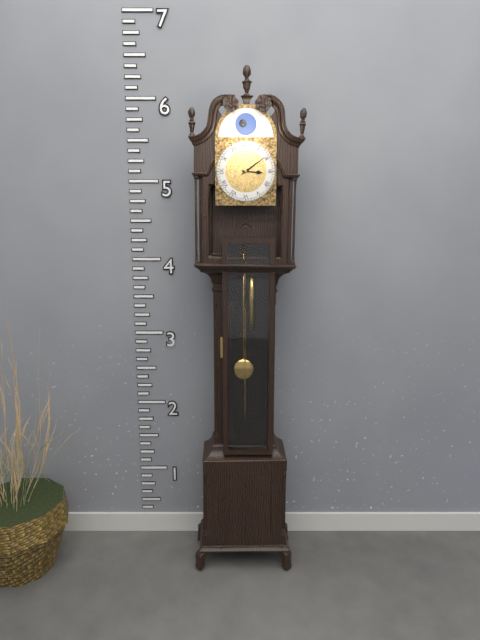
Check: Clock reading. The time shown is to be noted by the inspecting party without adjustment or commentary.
3:09
